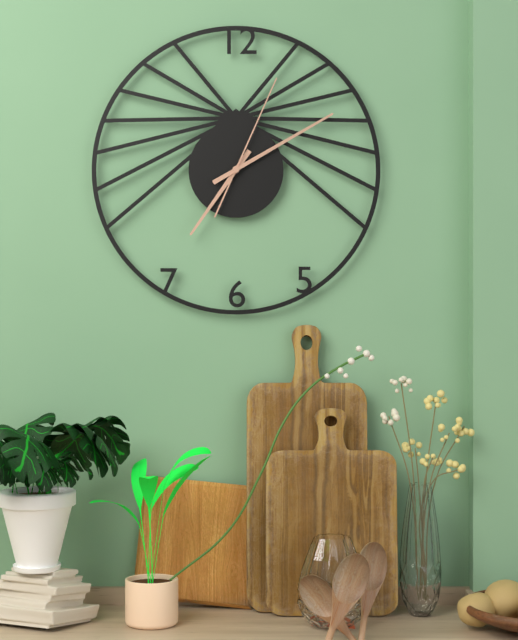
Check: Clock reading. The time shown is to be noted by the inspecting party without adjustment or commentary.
7:10:04
